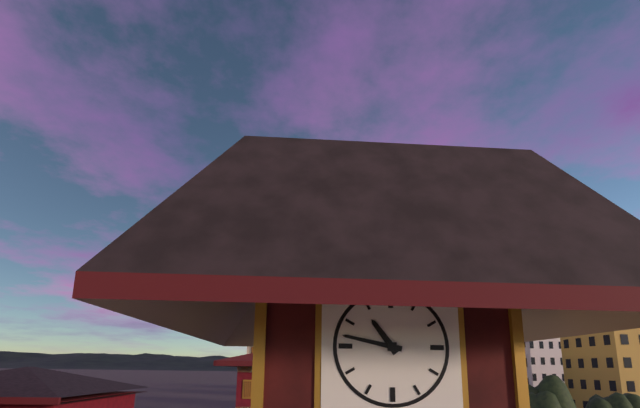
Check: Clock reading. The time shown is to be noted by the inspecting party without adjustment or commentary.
10:47
